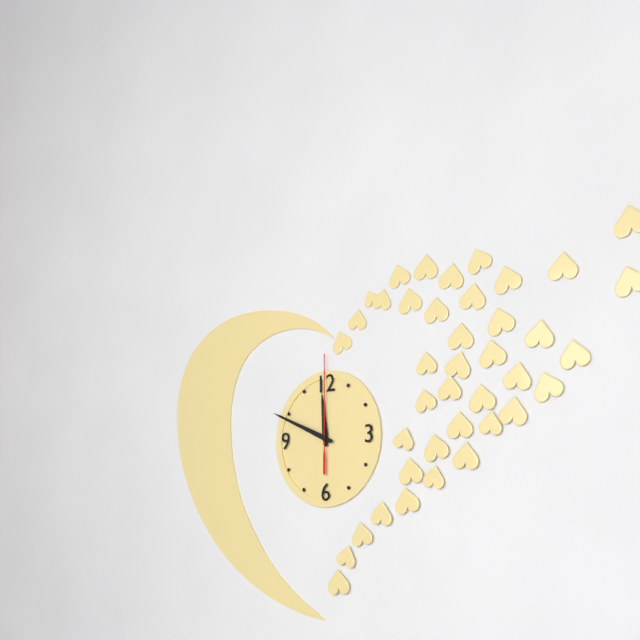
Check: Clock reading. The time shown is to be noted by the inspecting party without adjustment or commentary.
11:49:00
